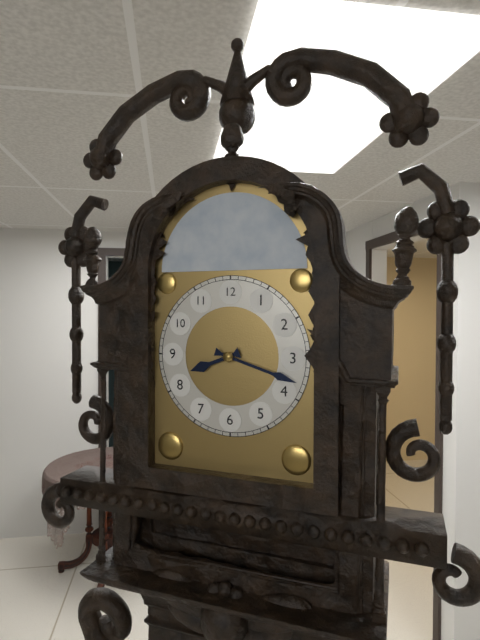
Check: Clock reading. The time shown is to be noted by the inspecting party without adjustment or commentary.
8:18
